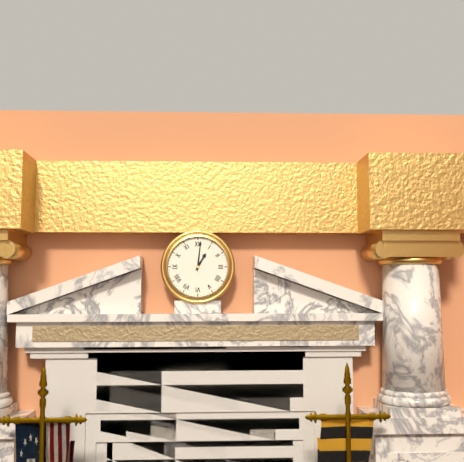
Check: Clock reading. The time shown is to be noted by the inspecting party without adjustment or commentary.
1:01
